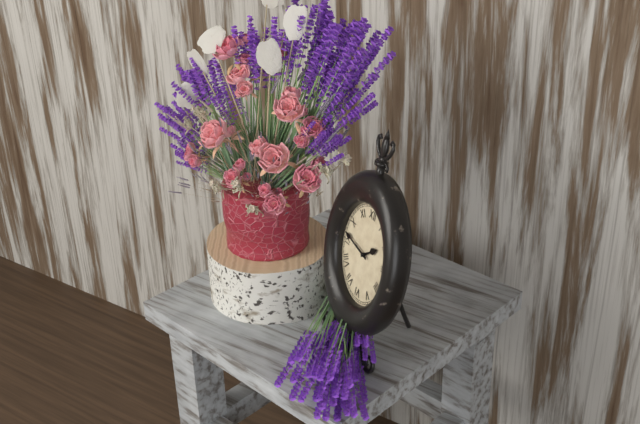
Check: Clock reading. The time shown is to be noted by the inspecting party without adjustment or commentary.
1:47
